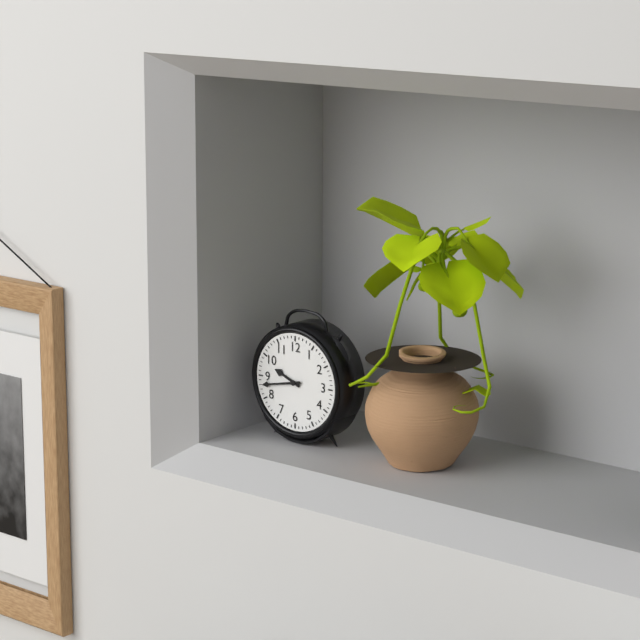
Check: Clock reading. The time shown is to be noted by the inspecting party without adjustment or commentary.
9:43
